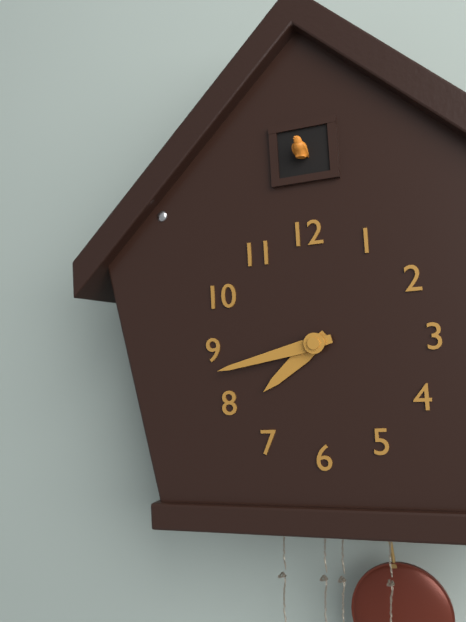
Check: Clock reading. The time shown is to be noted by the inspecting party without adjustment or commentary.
7:43
